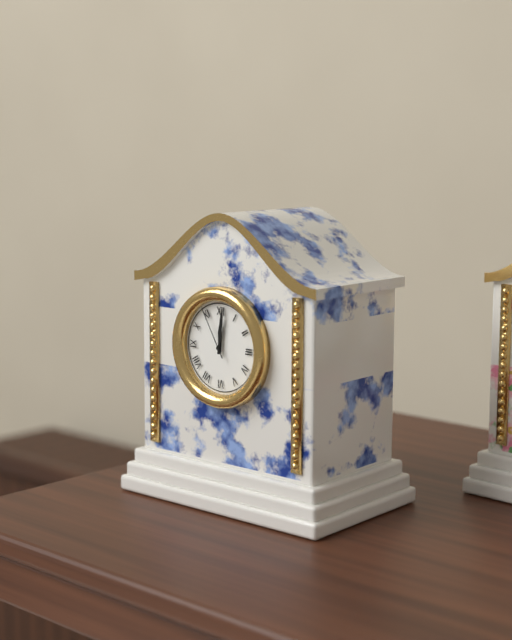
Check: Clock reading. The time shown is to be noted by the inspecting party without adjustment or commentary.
12:01:55
